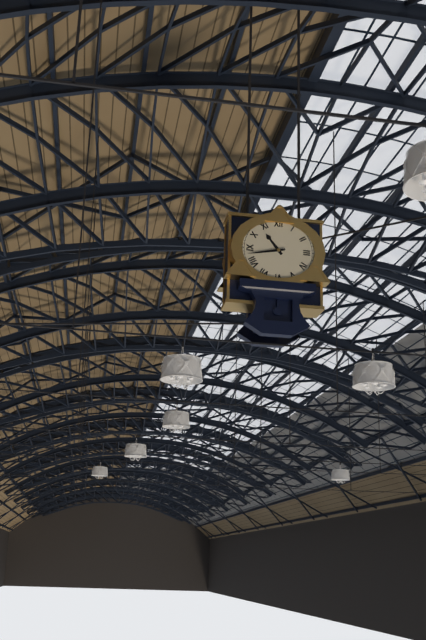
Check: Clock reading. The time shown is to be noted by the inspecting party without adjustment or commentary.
10:43
